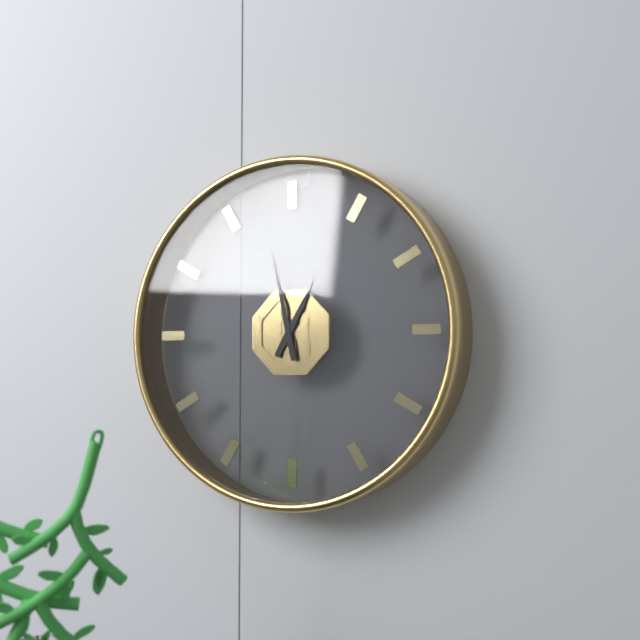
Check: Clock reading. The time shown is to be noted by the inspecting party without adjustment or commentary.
12:58
